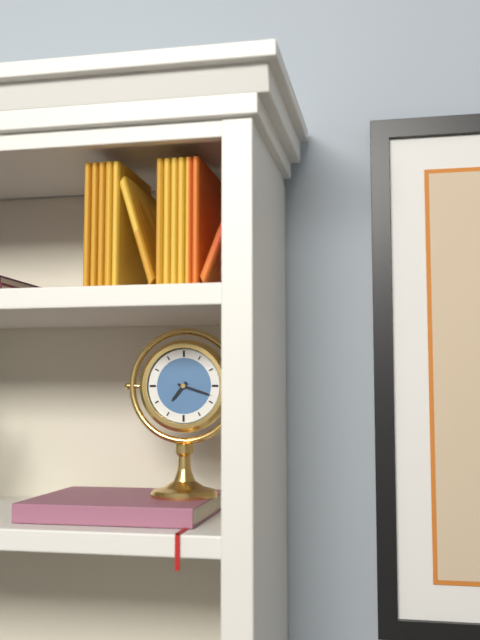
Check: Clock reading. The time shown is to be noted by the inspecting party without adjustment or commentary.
7:18
